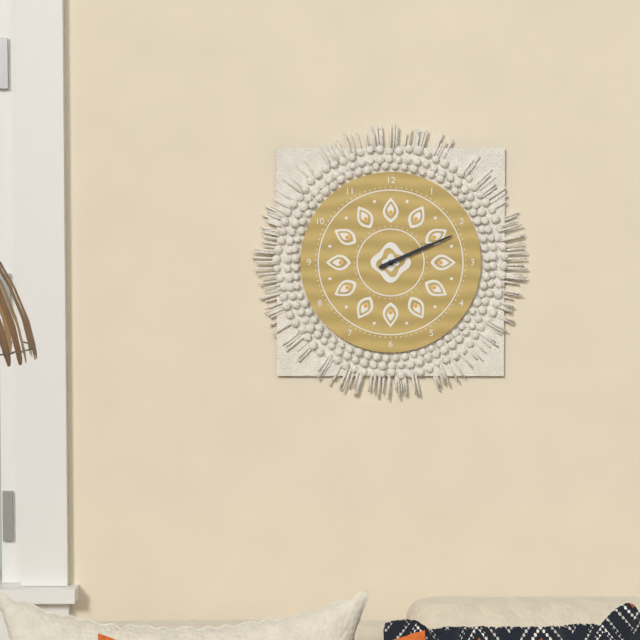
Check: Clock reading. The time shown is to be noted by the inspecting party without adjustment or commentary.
2:11
